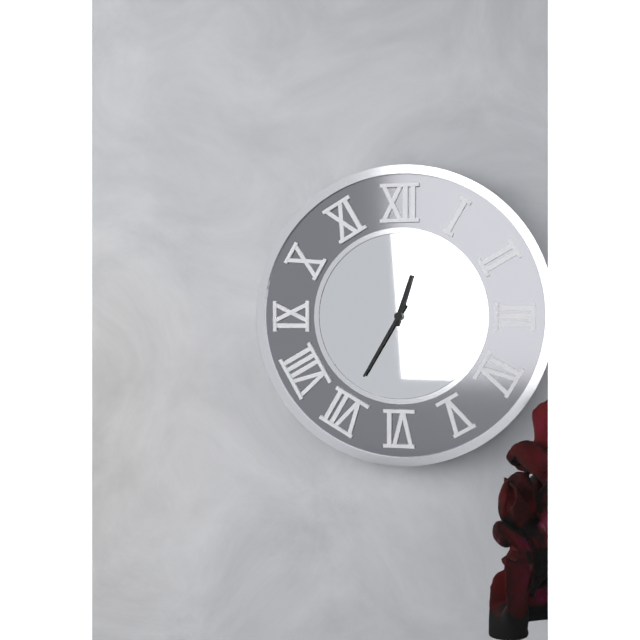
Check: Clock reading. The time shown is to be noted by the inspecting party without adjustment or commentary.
12:35
